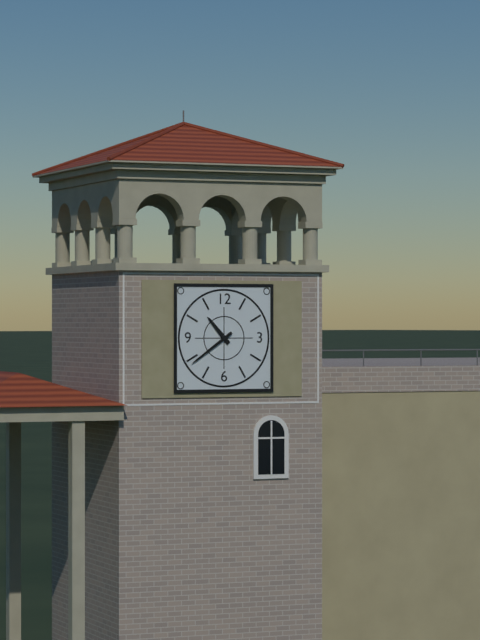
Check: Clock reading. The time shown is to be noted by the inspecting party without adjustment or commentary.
10:39
